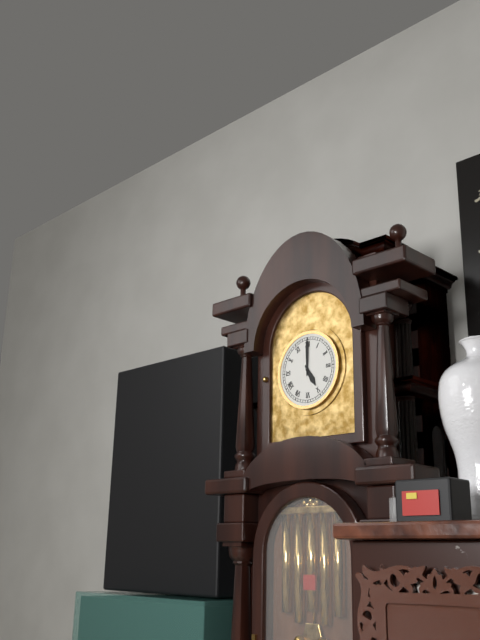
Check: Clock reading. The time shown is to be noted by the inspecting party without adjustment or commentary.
5:00
